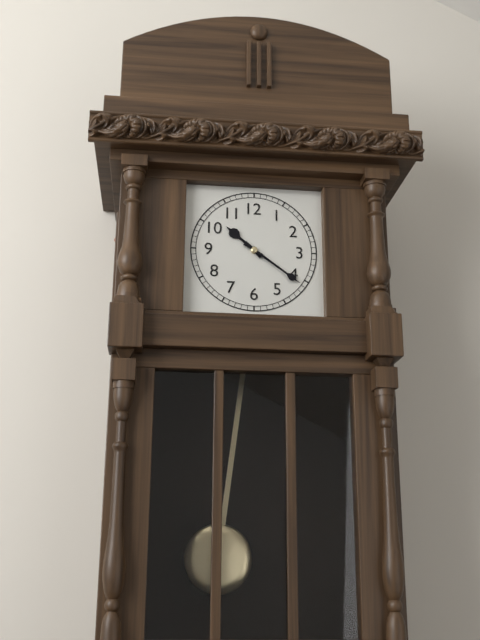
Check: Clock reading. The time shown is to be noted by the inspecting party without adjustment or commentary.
10:21
